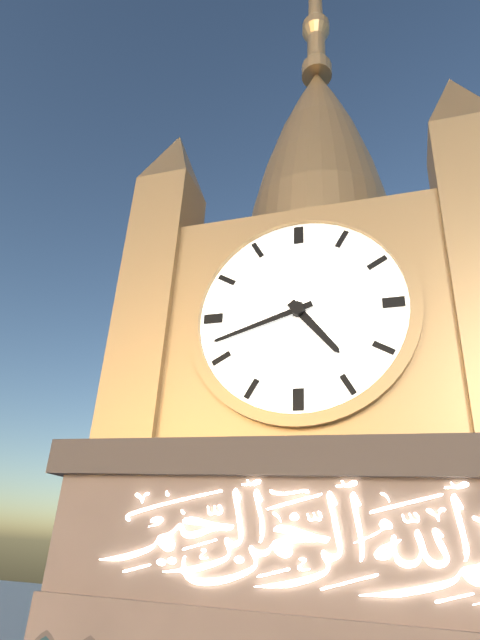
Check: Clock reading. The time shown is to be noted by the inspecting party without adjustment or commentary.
4:42
